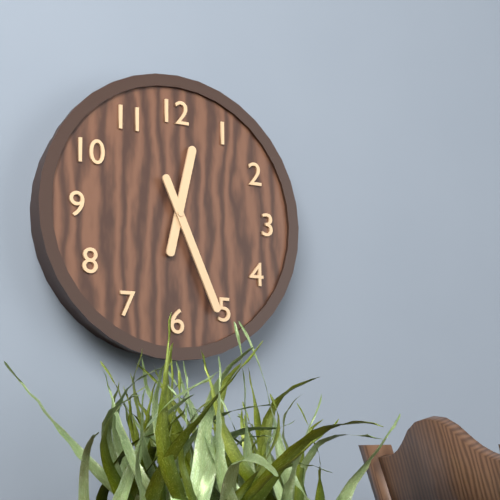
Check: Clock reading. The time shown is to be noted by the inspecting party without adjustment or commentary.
12:26
